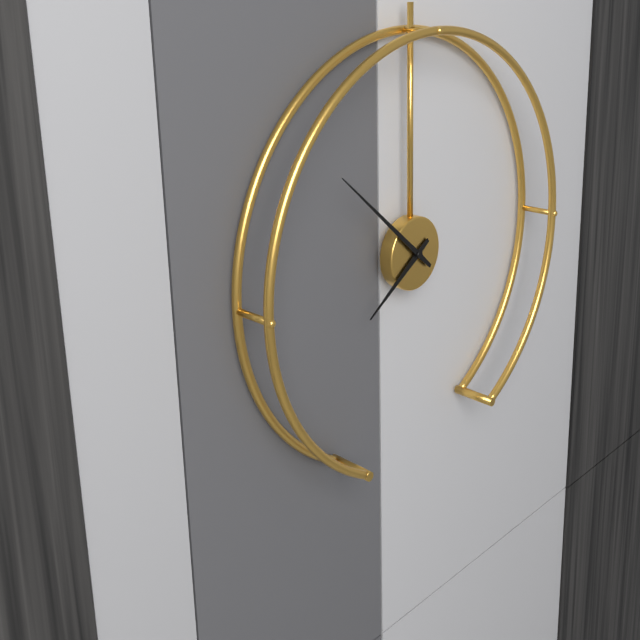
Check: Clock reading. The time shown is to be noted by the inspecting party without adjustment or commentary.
7:52
